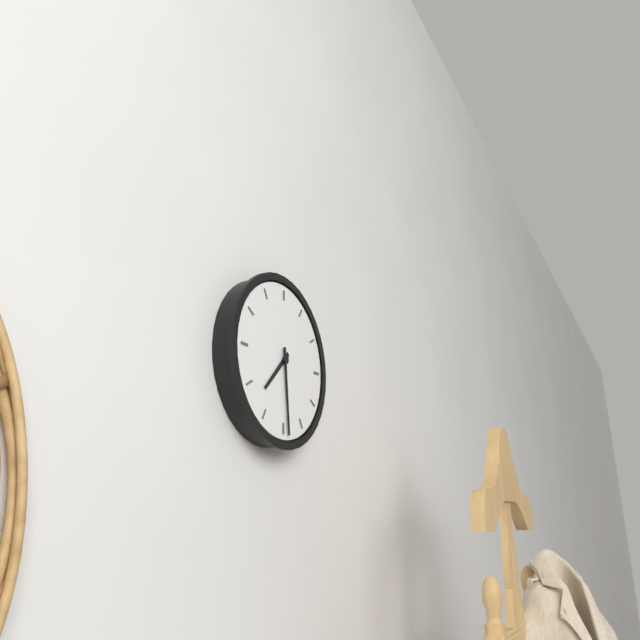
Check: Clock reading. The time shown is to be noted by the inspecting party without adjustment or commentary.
7:29
